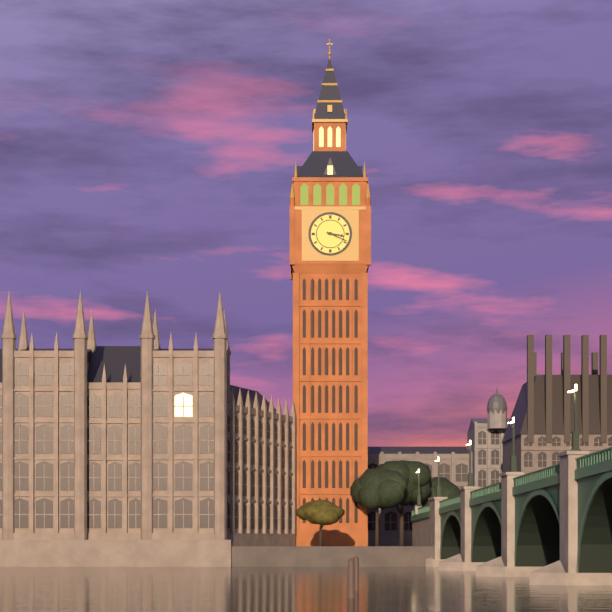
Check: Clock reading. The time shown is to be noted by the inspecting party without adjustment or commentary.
3:19
